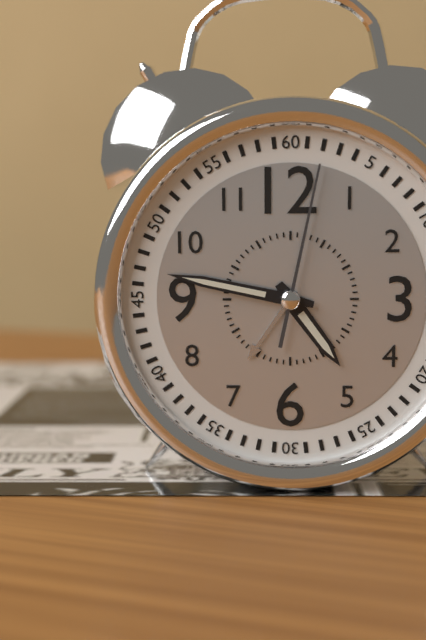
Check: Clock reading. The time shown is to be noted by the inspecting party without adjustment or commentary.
4:47:02
